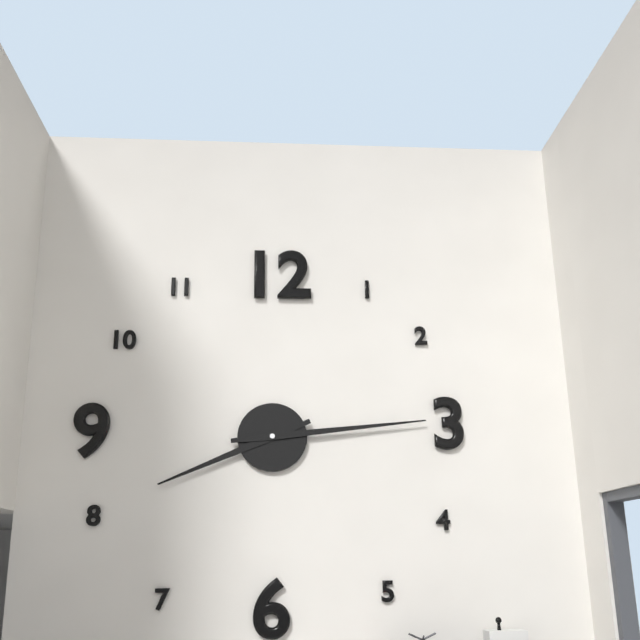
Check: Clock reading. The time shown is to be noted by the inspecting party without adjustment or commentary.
8:14
